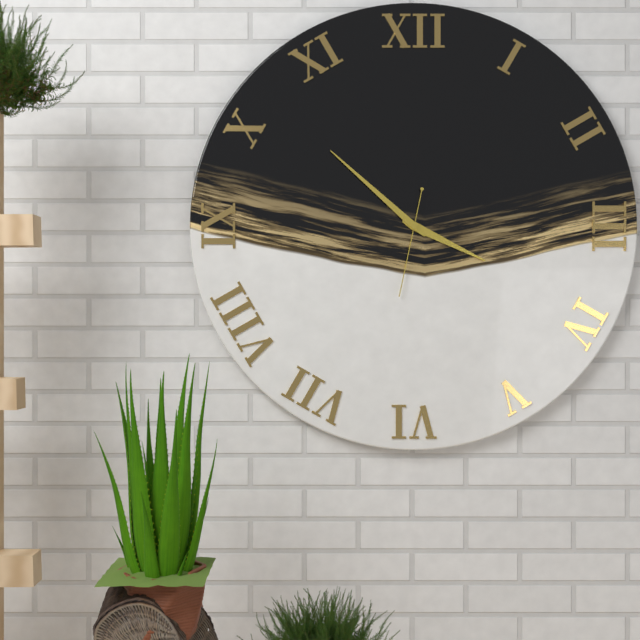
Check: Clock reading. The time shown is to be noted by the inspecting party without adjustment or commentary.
3:52:32
